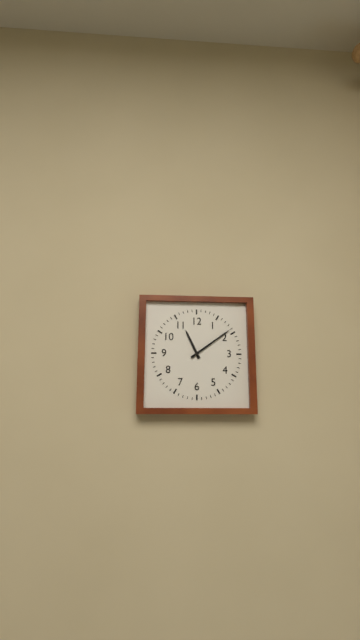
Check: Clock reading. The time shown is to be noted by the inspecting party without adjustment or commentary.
11:09
